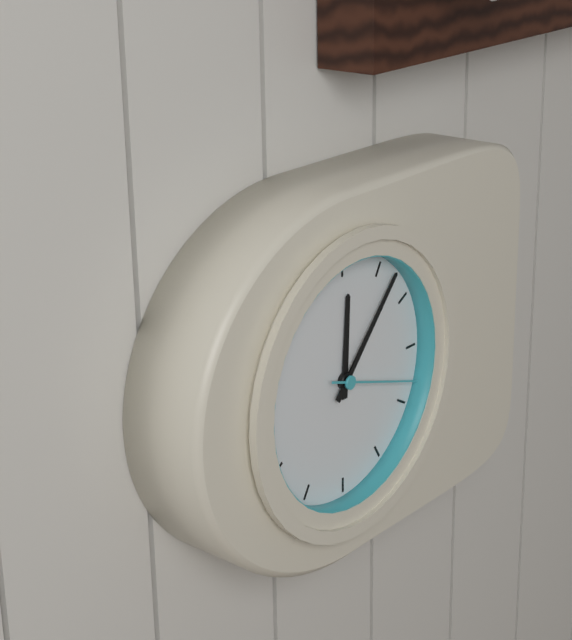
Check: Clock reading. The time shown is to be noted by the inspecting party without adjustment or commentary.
12:07:18
